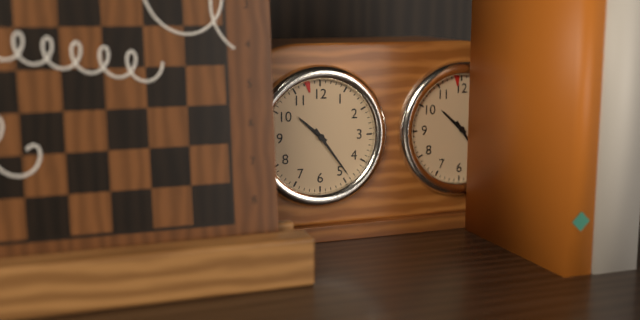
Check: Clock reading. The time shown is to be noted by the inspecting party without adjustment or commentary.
10:24
